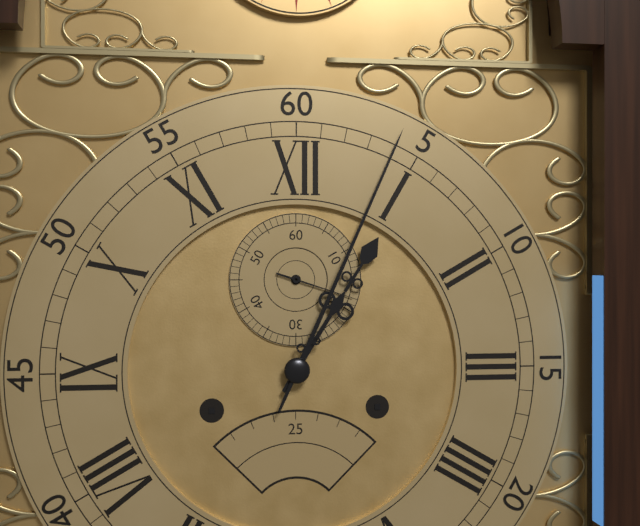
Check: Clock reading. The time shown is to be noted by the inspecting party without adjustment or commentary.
1:04:18
